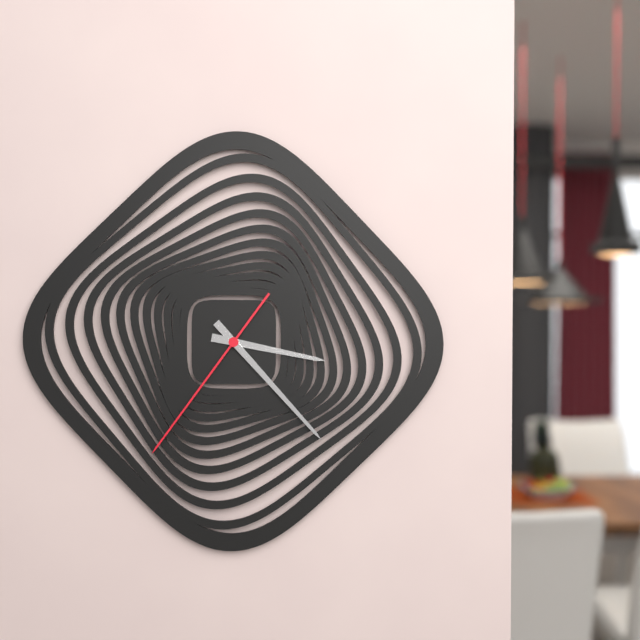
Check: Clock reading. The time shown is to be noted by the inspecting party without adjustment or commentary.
3:23:36
